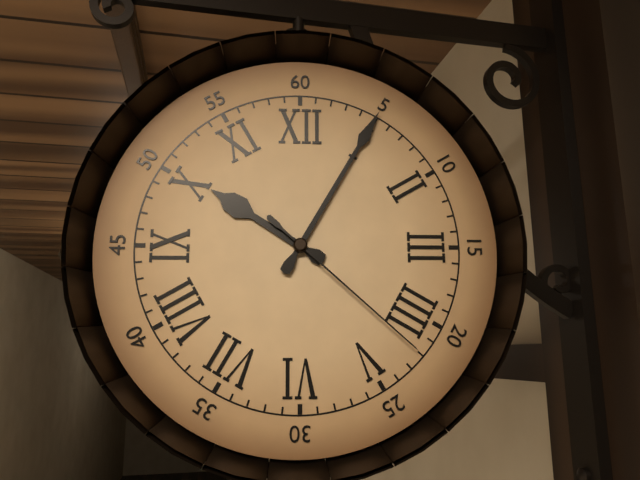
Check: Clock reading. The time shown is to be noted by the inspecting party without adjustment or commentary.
10:05:22
